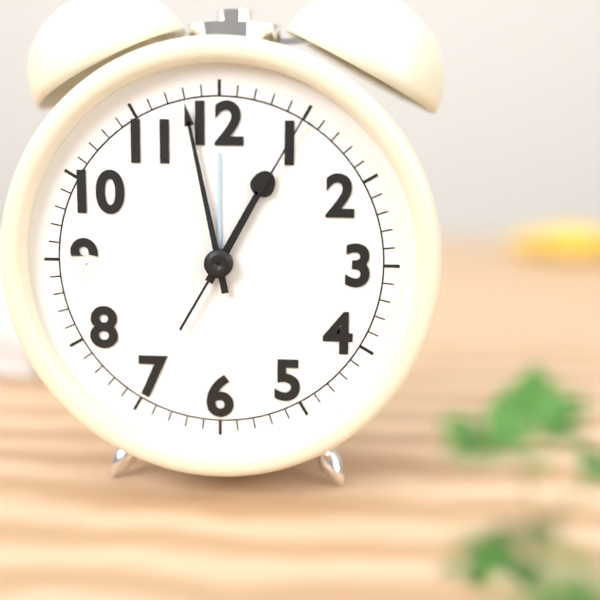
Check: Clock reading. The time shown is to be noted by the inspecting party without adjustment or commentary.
12:58:05
